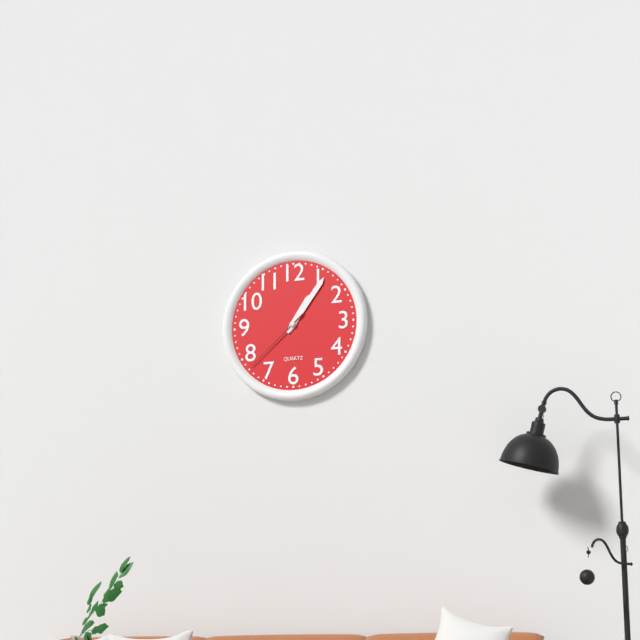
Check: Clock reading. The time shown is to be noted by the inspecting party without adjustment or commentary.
1:06:38
